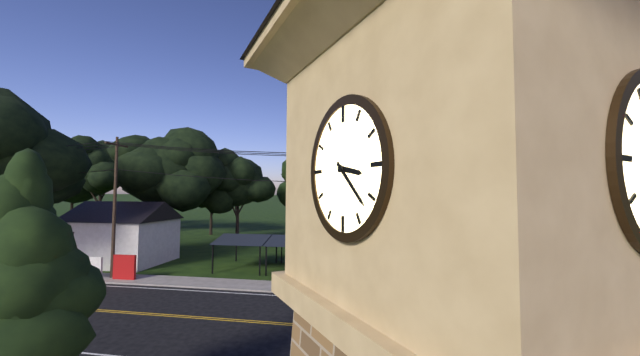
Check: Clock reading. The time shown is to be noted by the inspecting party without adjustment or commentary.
3:22
